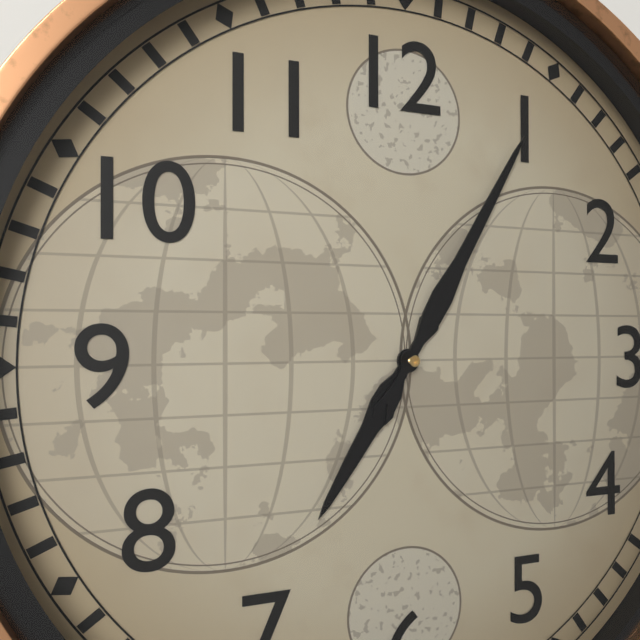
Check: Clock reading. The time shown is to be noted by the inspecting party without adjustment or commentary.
7:05
